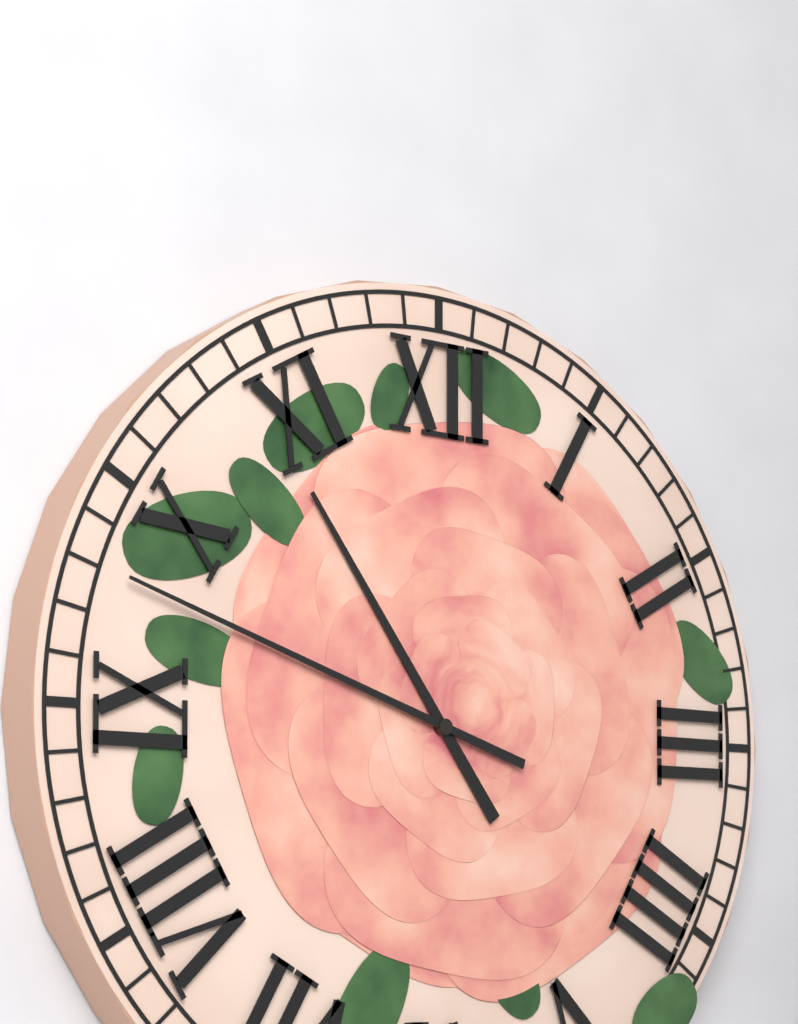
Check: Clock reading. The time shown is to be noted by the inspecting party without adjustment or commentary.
10:48
